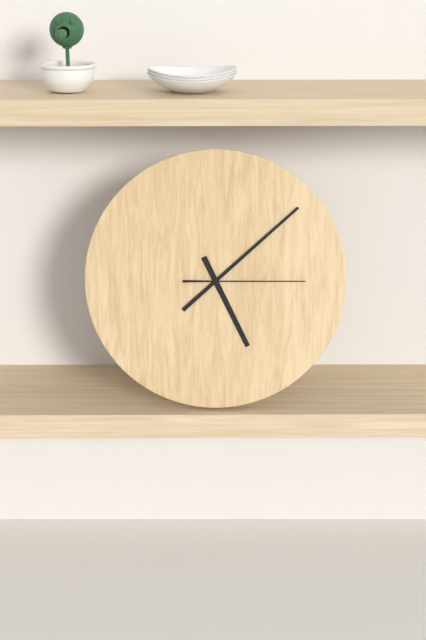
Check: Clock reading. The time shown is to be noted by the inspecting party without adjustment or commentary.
5:08:15
